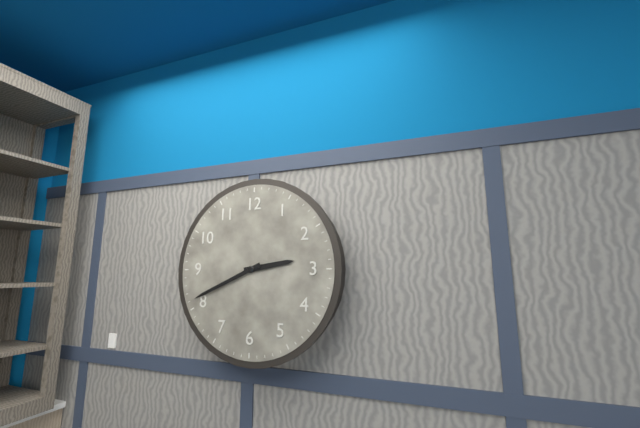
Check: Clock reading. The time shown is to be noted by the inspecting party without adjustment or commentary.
2:41
